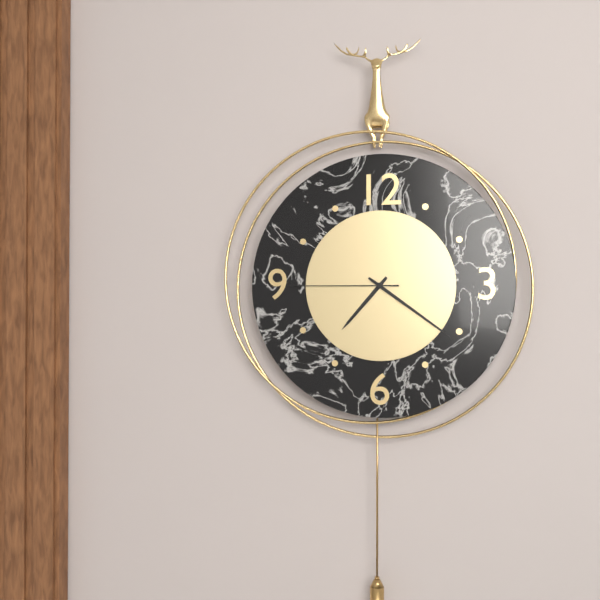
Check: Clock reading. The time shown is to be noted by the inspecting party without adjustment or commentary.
7:21:45
